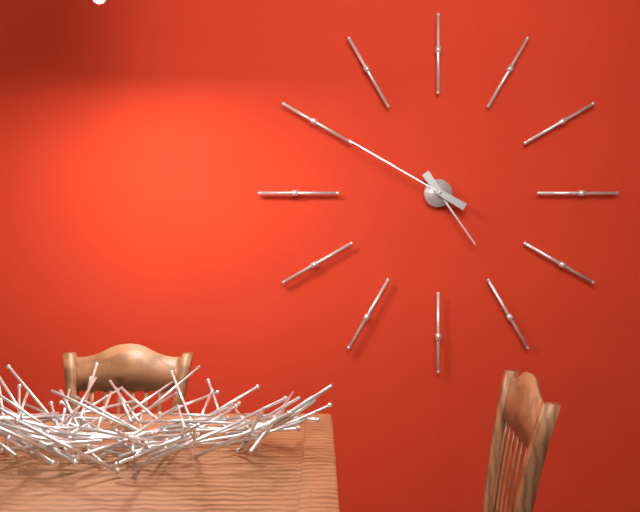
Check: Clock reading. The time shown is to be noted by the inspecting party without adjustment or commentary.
4:50
